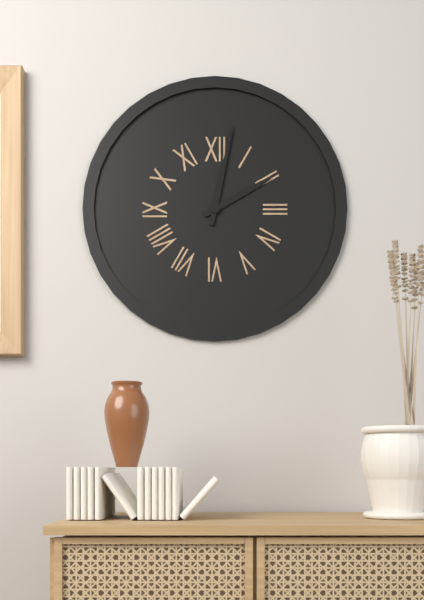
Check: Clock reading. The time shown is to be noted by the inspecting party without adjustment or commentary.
2:02
